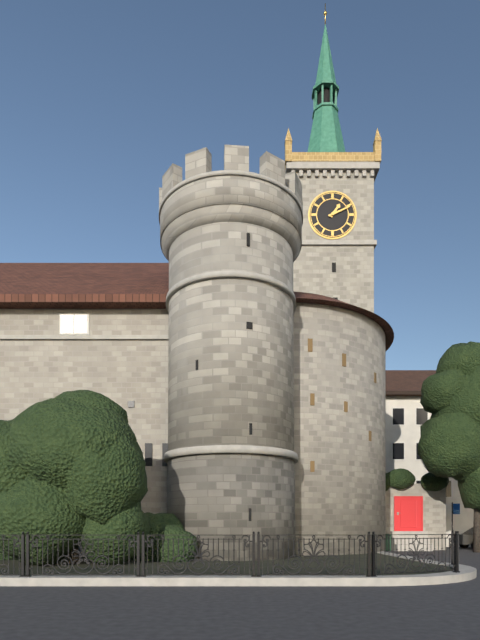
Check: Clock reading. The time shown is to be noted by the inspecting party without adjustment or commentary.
1:11
